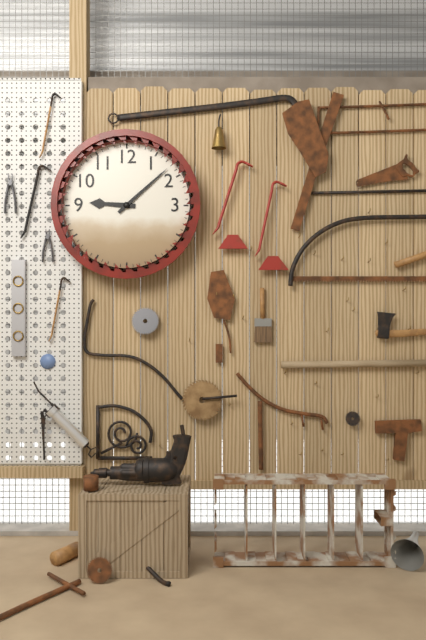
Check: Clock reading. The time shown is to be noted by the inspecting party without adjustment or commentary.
9:08
